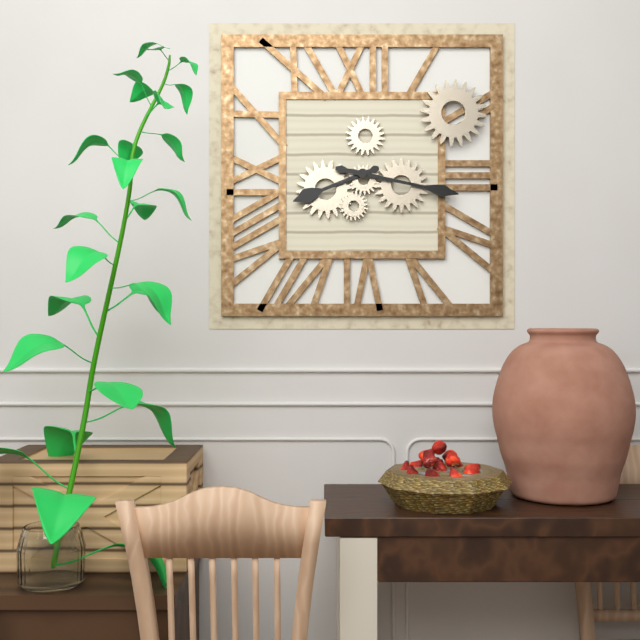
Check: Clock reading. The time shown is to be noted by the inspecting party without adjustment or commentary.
8:17
